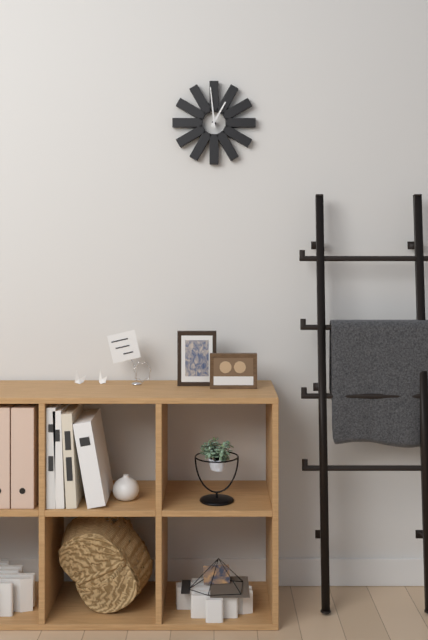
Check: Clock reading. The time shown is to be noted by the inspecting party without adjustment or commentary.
12:59
